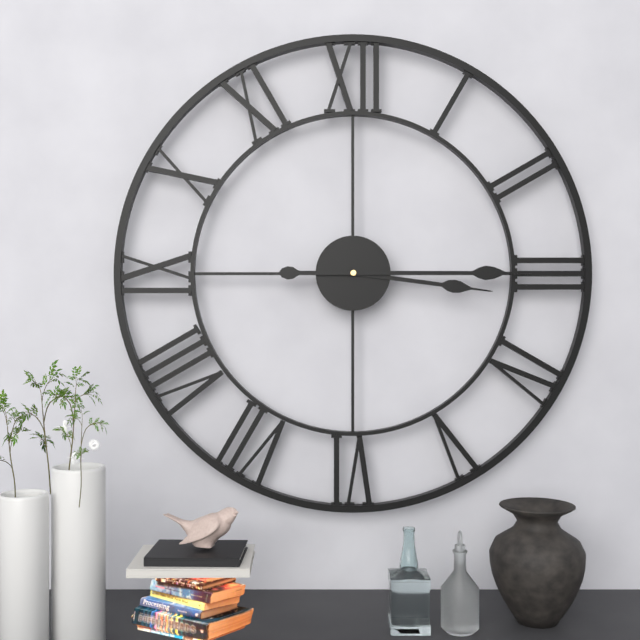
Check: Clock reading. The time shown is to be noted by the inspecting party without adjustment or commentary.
3:15
